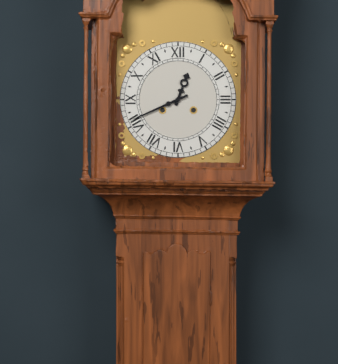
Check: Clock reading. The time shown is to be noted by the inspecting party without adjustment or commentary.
12:41
